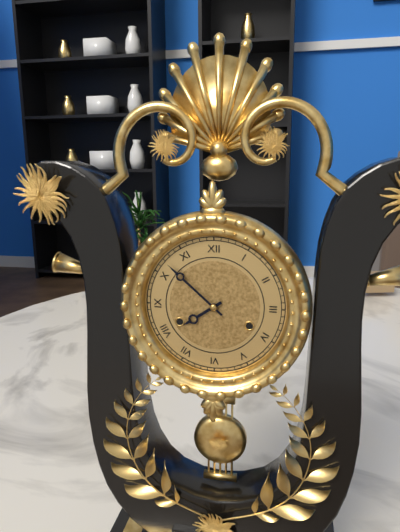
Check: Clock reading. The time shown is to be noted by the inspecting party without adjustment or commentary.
7:52
